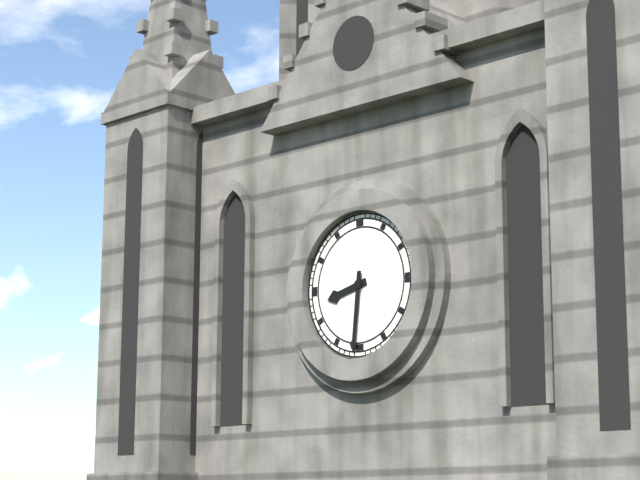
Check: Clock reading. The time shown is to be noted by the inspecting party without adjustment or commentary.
8:31
